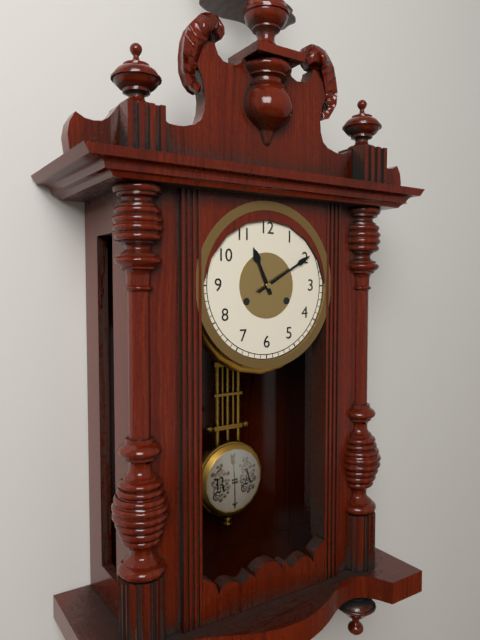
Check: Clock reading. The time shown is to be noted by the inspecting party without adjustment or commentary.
11:10
